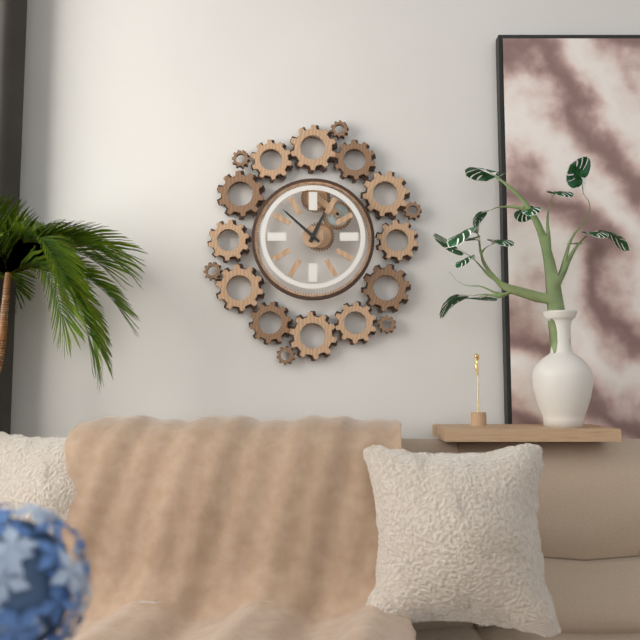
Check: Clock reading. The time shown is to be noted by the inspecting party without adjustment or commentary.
12:52
